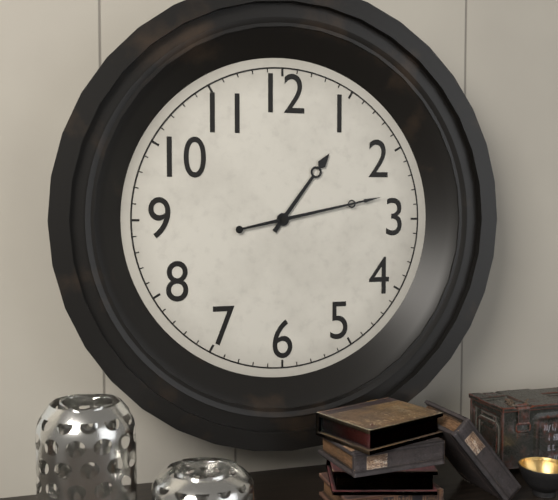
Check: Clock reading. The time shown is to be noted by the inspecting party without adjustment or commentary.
1:13
